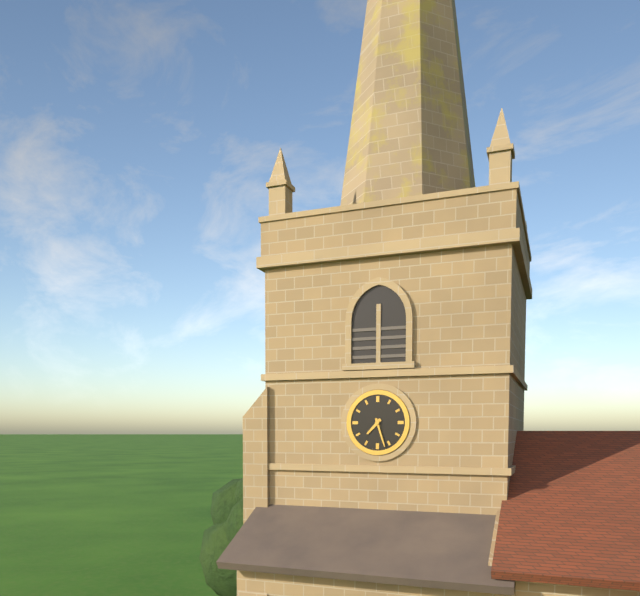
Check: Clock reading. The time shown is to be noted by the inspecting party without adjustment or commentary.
7:27
